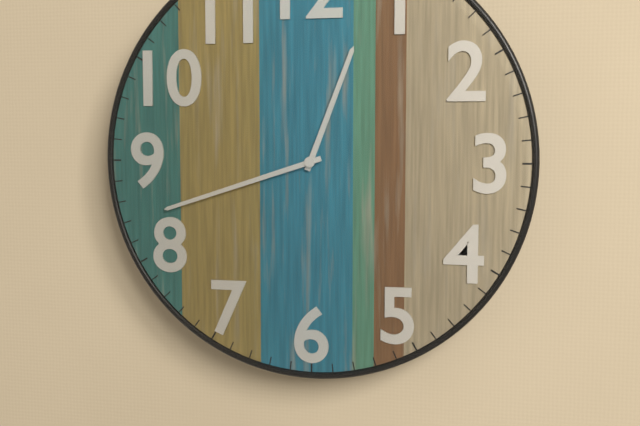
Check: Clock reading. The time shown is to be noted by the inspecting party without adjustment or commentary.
12:42
